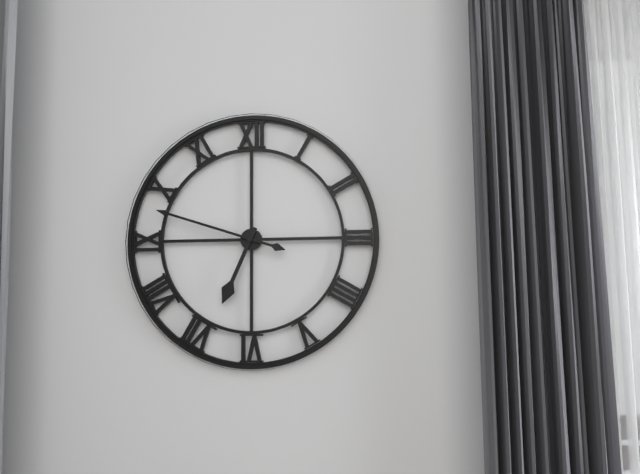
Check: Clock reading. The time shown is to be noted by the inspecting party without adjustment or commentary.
6:48
